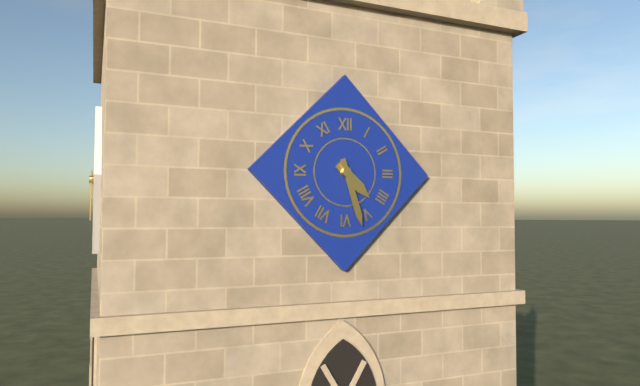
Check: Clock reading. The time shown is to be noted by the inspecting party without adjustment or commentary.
4:27
